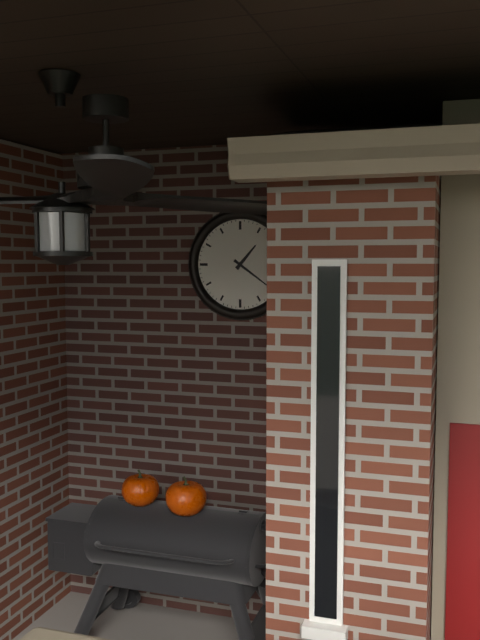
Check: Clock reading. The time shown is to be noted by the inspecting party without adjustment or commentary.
1:21
